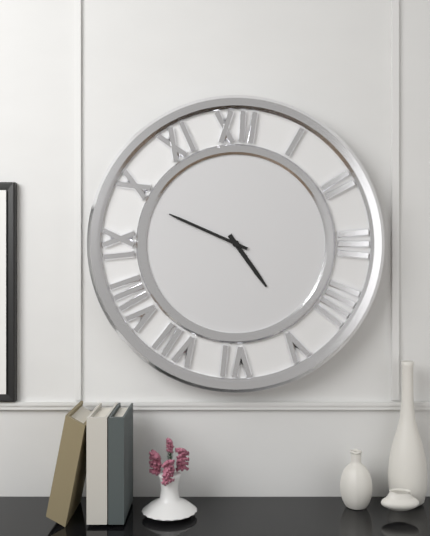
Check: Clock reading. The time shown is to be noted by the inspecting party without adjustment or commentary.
4:49
